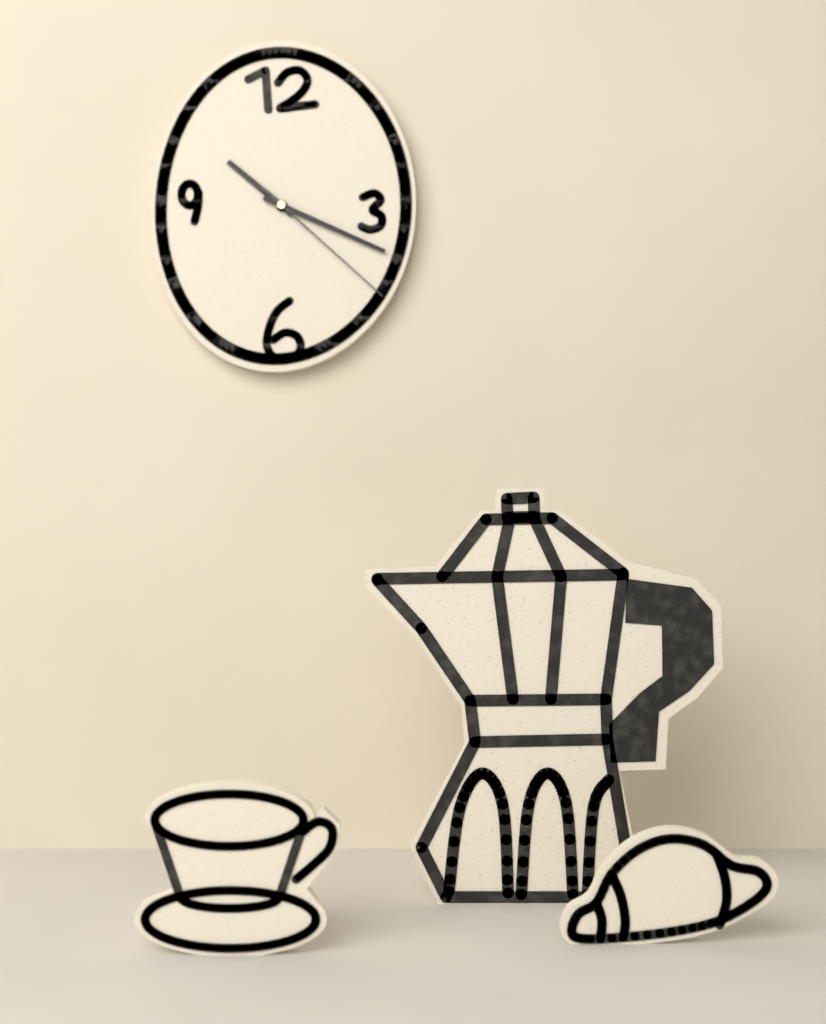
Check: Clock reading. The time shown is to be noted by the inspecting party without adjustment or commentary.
10:19:22
